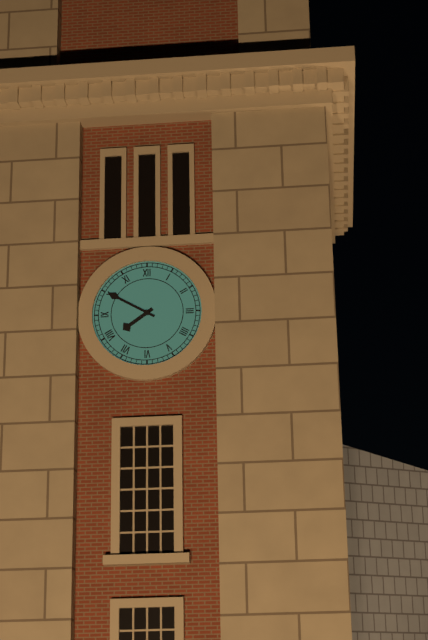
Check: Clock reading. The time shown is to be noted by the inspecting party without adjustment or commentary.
7:50
